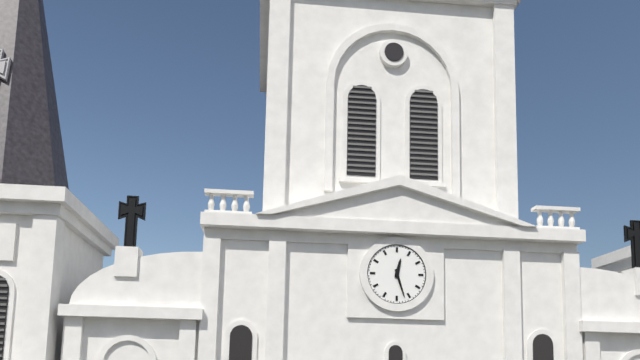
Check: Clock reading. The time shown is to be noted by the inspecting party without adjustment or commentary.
12:27
